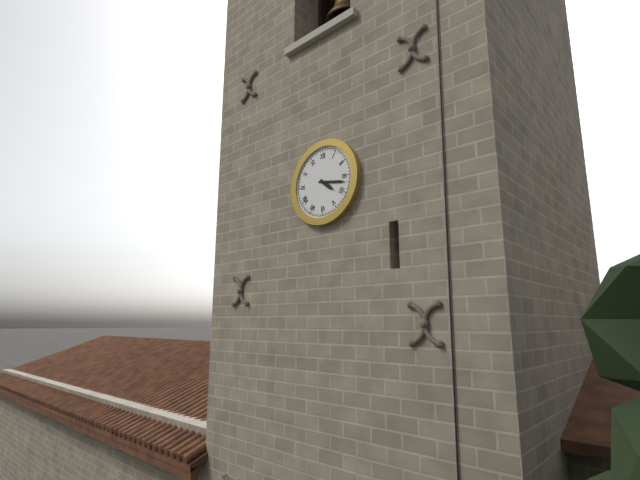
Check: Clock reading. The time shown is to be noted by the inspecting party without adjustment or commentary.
4:17
